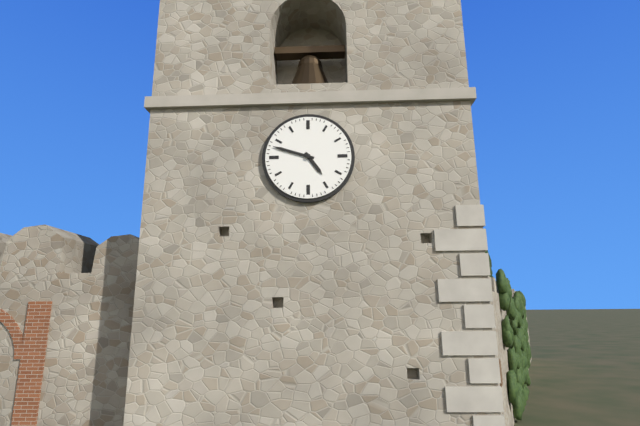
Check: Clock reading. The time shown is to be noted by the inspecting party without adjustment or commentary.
4:48
